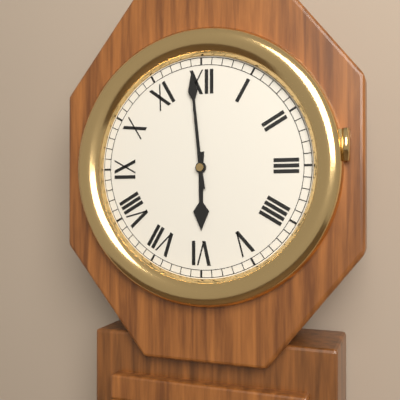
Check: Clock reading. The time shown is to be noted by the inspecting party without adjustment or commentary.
5:59
